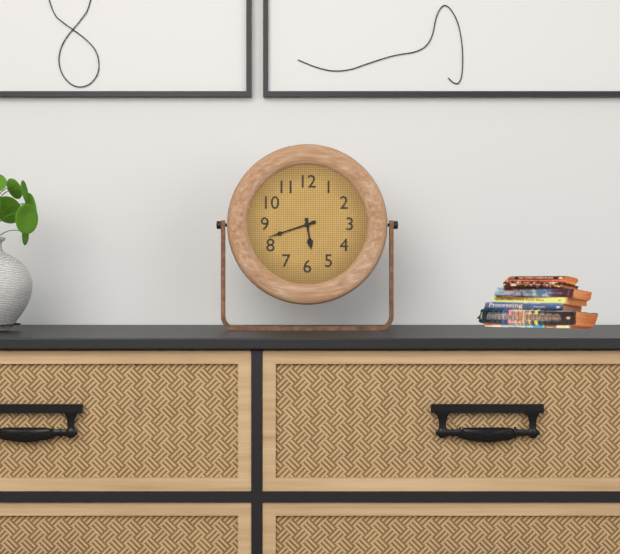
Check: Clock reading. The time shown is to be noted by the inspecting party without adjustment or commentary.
5:42
